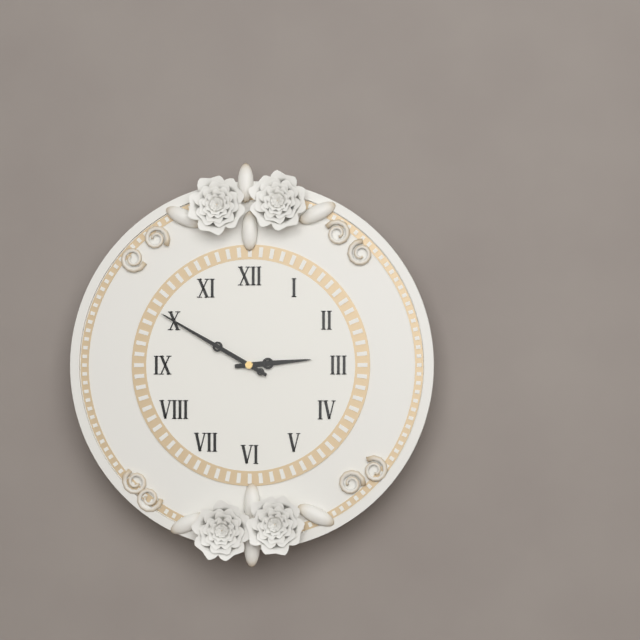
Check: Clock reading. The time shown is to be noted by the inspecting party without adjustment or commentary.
2:50
